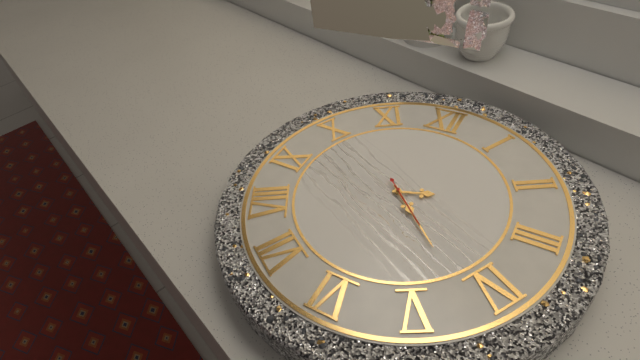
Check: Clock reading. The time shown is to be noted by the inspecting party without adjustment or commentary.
2:22
